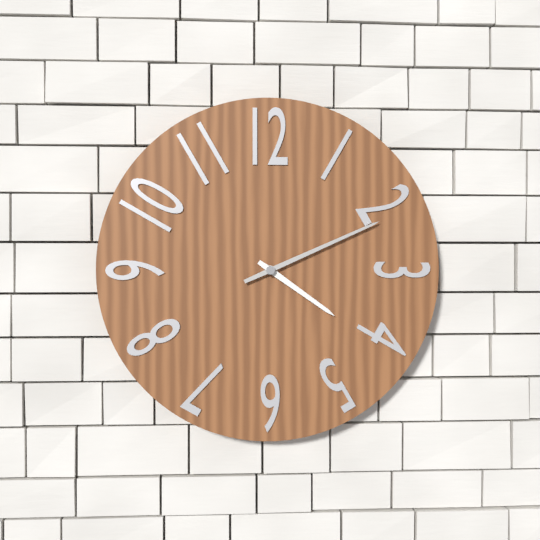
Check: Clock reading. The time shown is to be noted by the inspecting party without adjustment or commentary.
4:11
